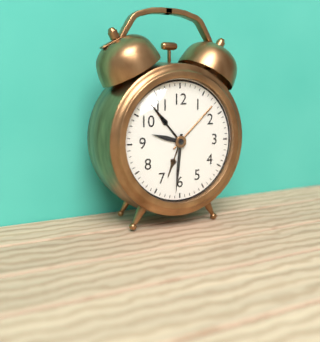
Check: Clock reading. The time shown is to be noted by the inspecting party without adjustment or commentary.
9:31
